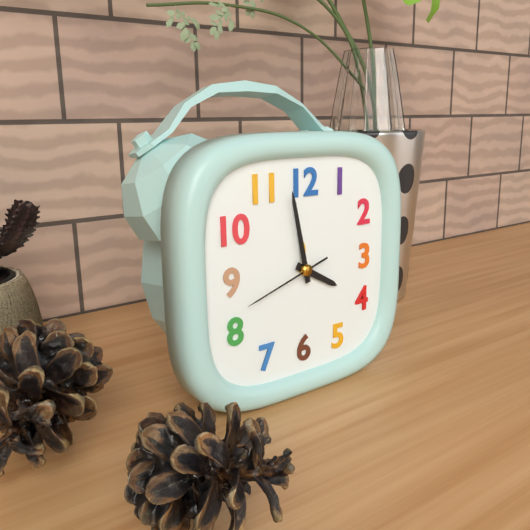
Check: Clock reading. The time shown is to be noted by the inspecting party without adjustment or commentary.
3:58:42
